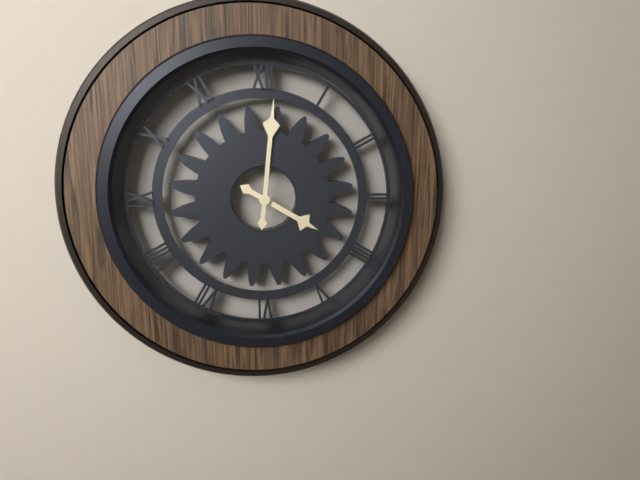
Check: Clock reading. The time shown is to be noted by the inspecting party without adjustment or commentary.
4:01
